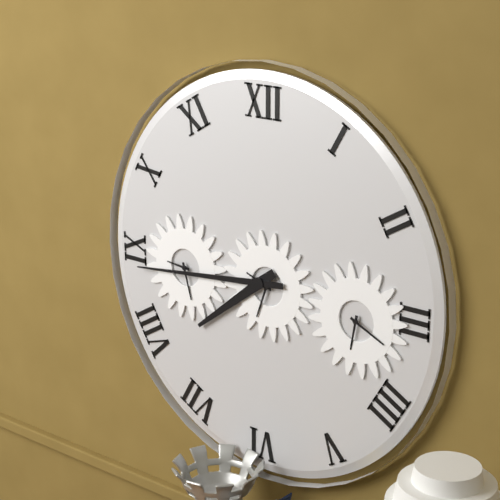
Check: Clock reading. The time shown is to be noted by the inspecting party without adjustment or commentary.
7:44
